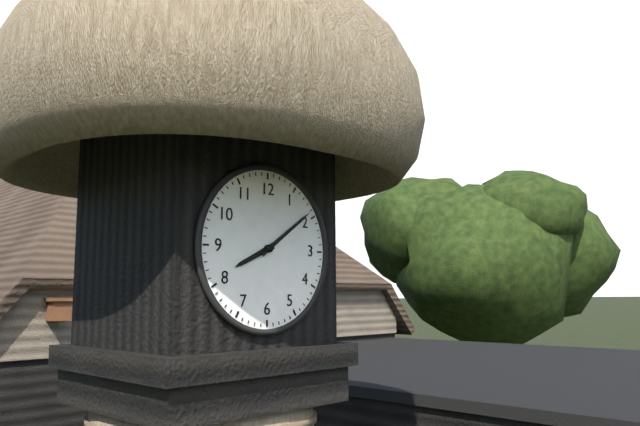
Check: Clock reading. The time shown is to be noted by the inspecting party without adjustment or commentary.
8:09
